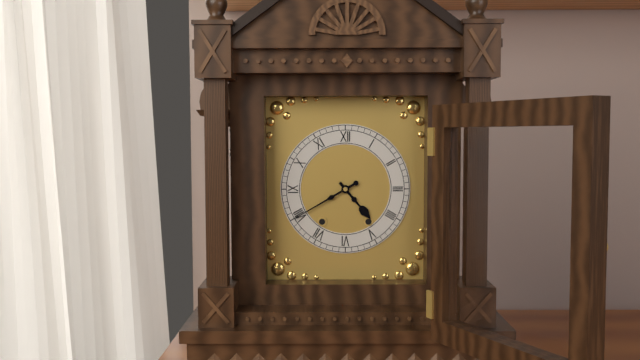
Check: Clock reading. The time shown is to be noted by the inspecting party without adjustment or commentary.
4:40
